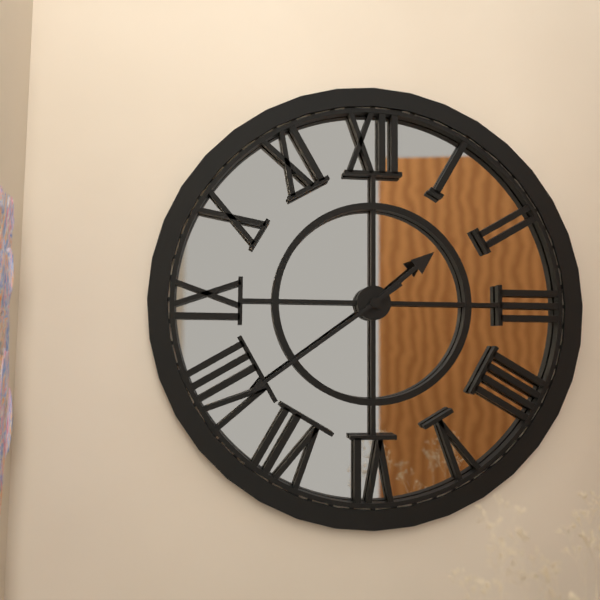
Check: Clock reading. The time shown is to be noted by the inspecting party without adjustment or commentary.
1:39
